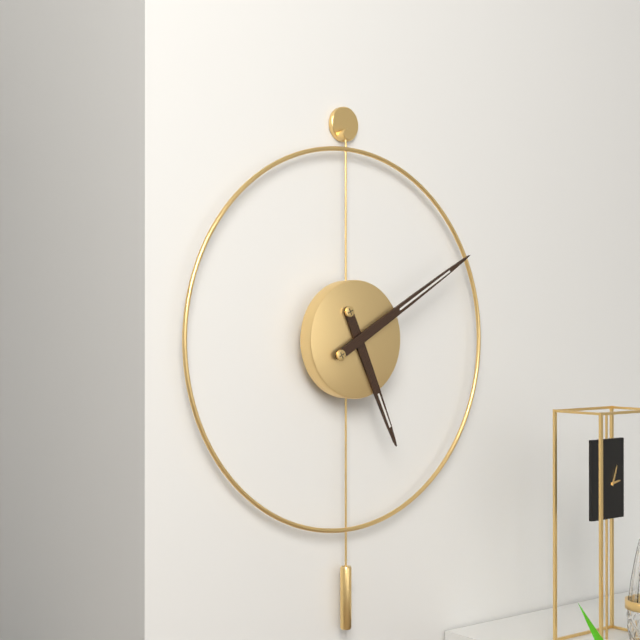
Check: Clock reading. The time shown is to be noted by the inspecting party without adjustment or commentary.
5:10
